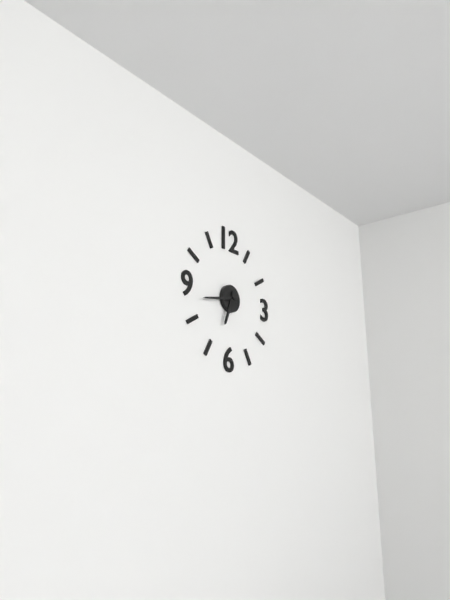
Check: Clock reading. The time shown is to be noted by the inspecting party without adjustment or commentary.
6:43
